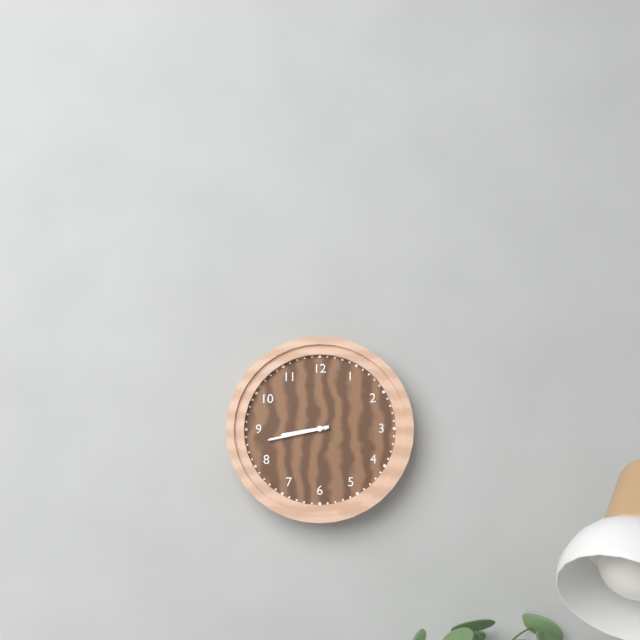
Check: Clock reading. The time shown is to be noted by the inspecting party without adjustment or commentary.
8:43
